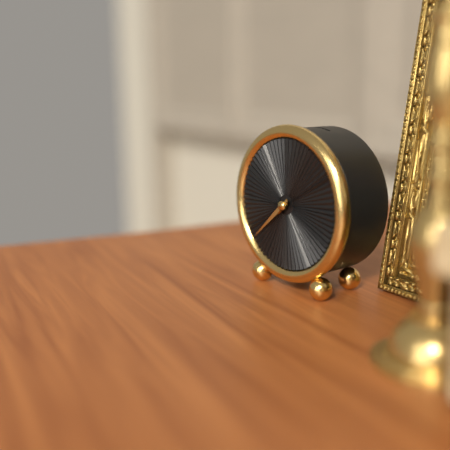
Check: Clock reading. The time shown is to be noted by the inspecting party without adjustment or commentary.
7:38
